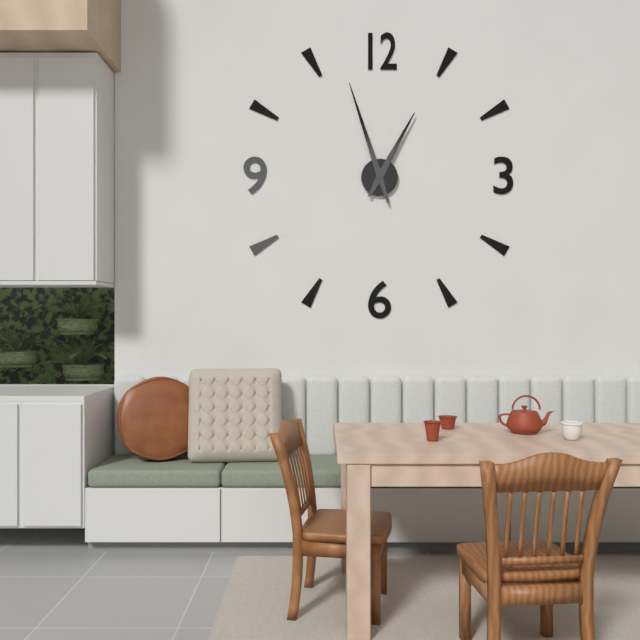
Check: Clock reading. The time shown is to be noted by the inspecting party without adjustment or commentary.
12:57
